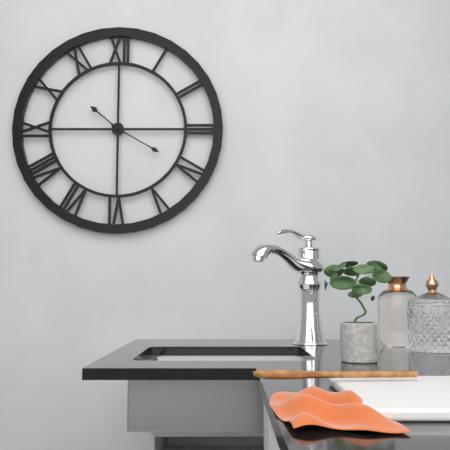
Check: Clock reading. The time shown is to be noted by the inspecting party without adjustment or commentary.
10:20
